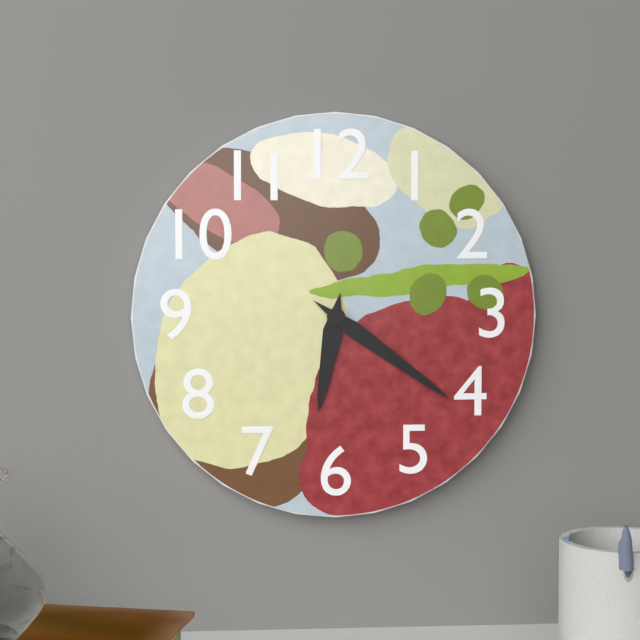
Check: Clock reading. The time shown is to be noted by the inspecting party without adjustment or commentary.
6:21
